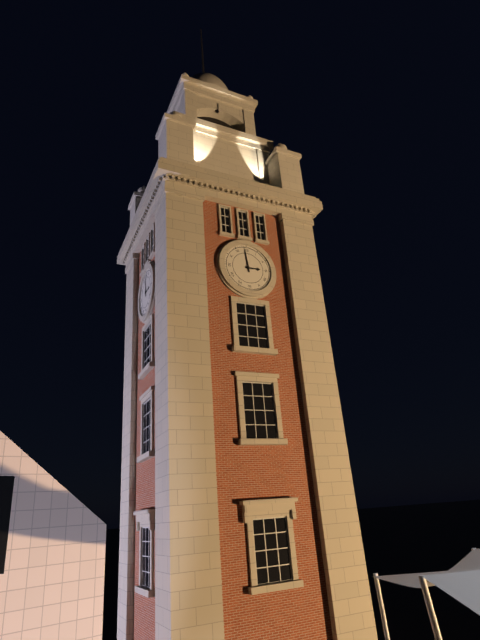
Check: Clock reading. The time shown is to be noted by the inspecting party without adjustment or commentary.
2:59
